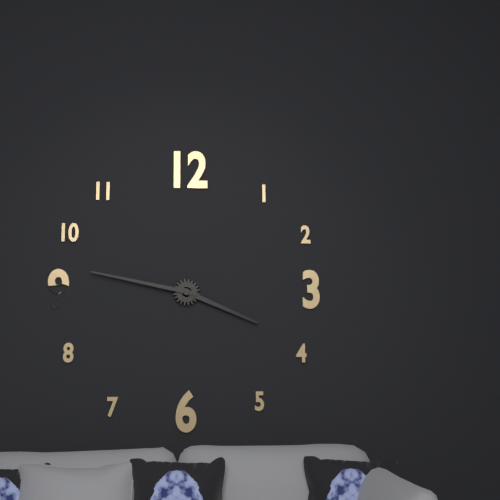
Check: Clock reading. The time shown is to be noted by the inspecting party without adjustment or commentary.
3:47
